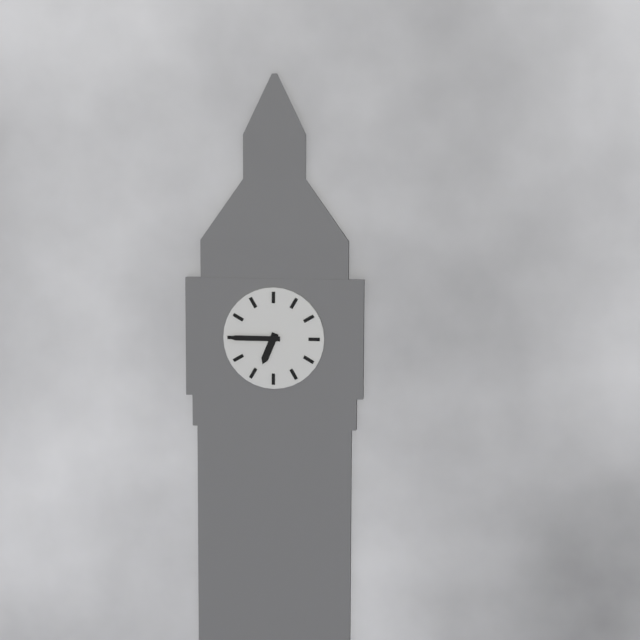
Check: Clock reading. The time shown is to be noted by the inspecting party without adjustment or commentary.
6:45
